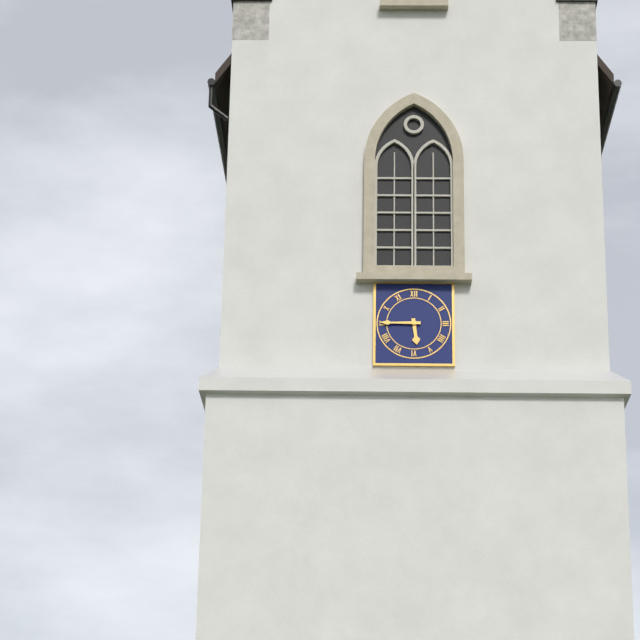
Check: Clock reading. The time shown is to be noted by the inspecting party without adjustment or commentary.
5:45
